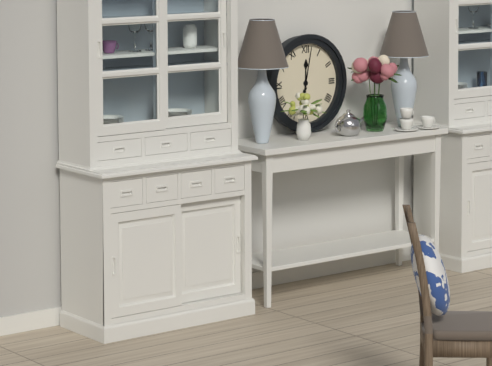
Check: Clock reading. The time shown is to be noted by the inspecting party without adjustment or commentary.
12:02
